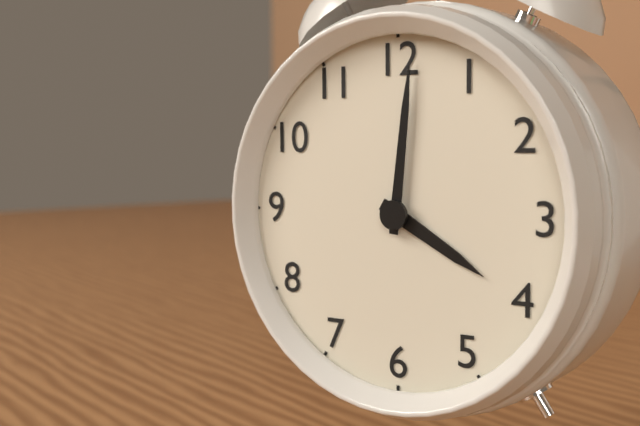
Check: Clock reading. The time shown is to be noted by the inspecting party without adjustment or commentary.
4:01
